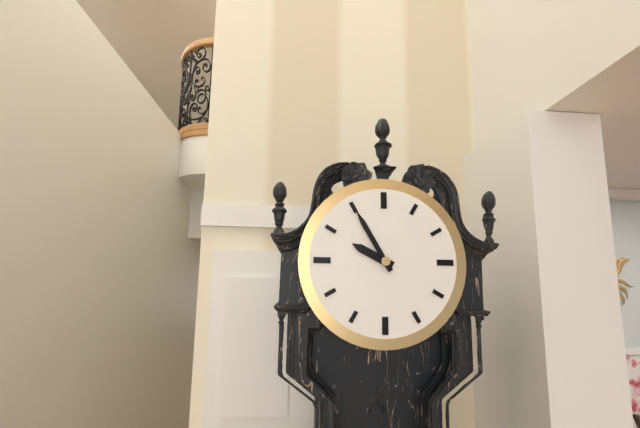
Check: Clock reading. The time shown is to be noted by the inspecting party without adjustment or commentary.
9:55
